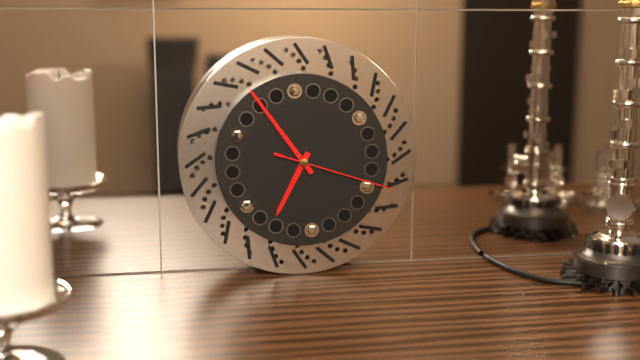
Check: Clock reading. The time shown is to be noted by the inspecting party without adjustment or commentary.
6:54:18
